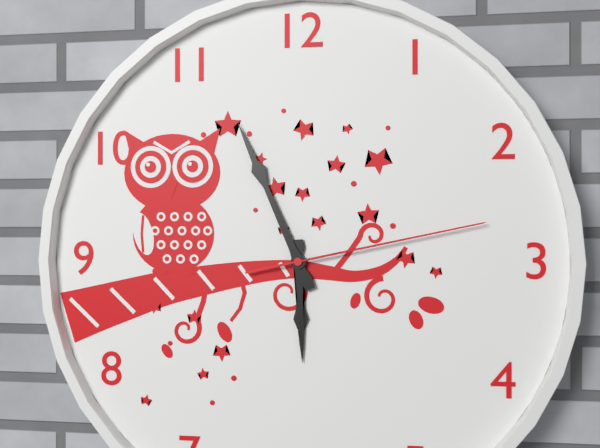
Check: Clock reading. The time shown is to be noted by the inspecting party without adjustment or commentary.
5:56:13
